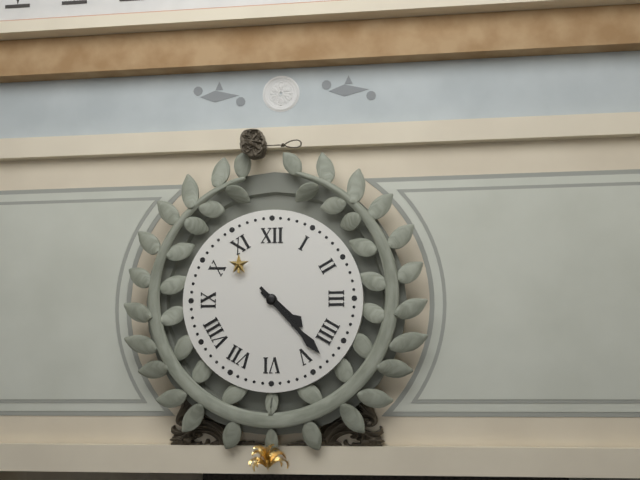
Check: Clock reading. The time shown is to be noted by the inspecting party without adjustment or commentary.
4:23
